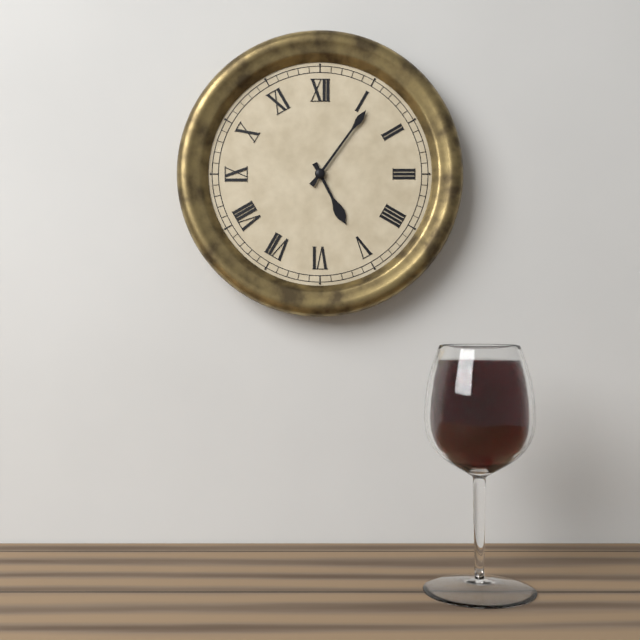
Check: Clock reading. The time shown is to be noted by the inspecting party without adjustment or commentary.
5:06
